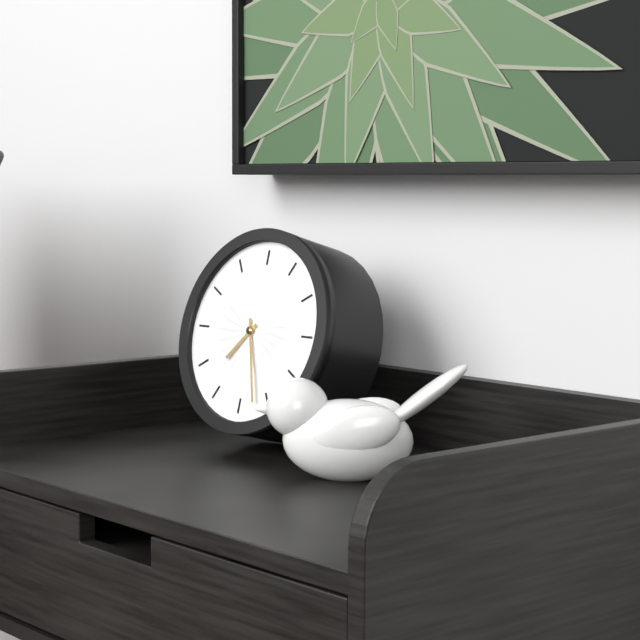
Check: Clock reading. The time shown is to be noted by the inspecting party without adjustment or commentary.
7:27
